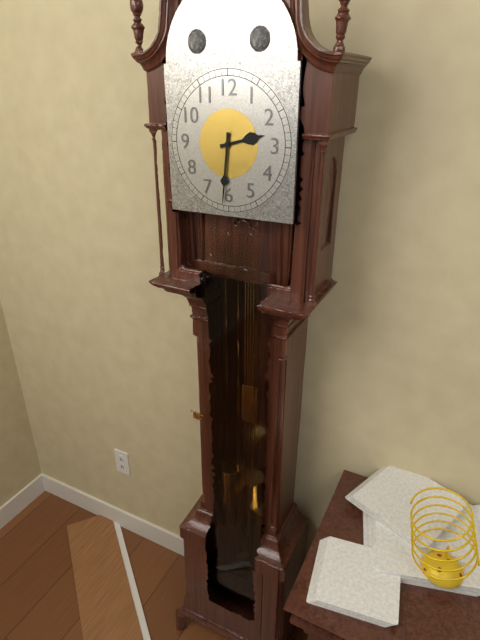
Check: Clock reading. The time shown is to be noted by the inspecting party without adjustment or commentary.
2:31
